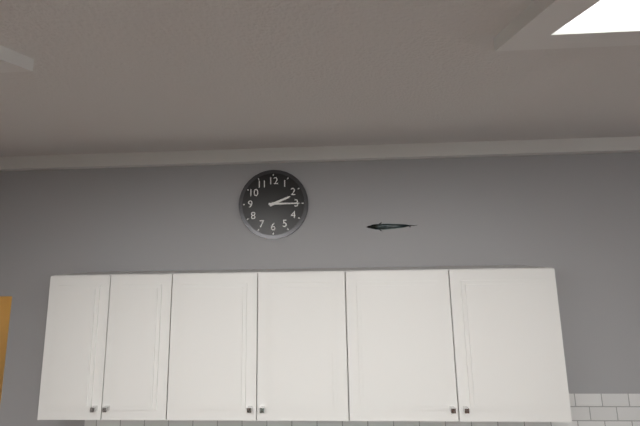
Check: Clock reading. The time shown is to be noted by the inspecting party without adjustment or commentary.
2:15
